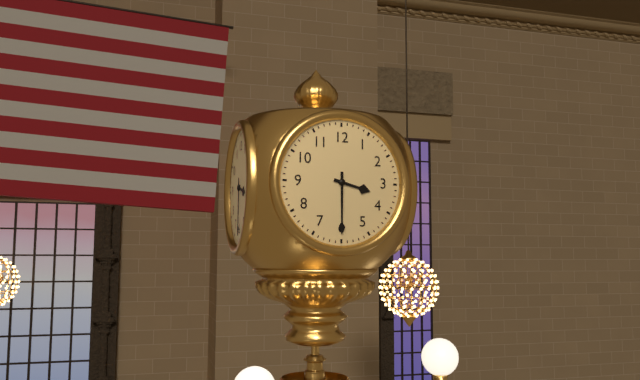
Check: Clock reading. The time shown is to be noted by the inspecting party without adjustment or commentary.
3:30
